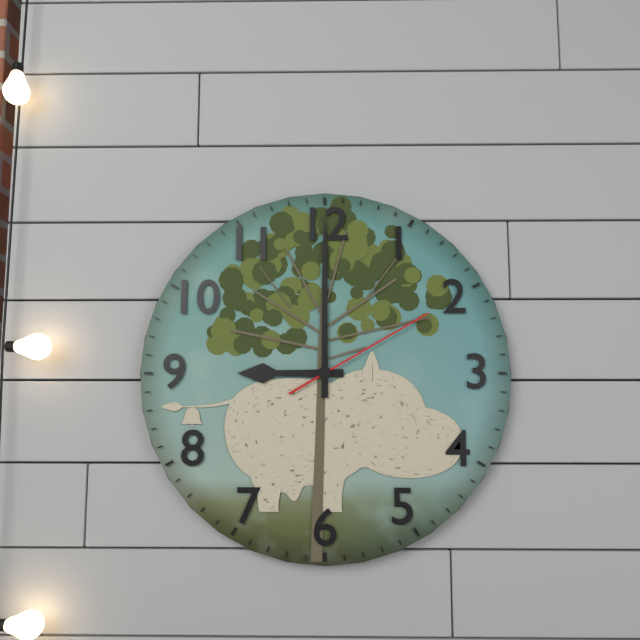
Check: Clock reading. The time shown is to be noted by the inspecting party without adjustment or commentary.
9:00:10
